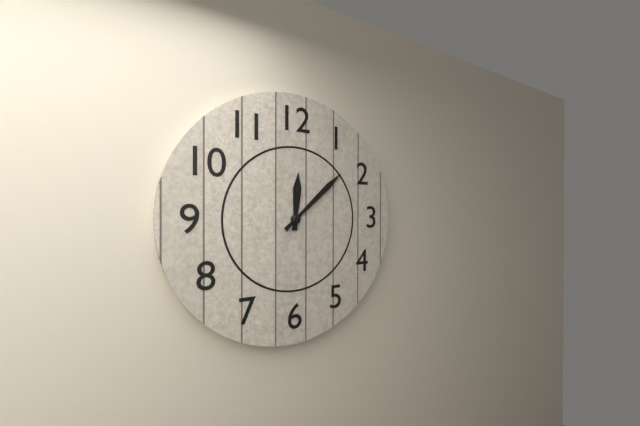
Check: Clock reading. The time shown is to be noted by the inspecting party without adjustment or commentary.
12:08
